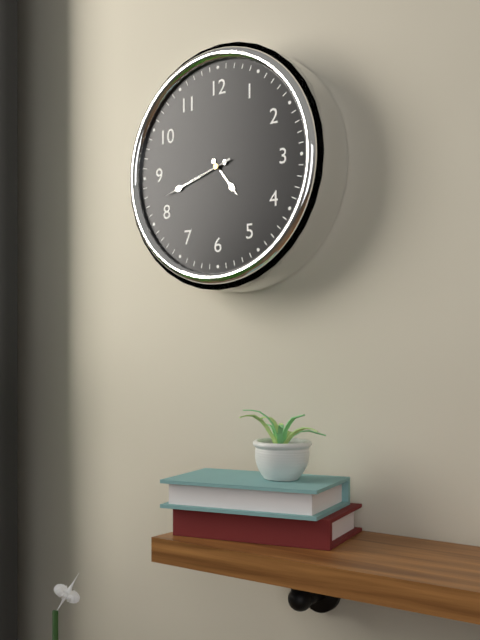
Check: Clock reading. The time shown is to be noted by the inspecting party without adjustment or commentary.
4:42:42
